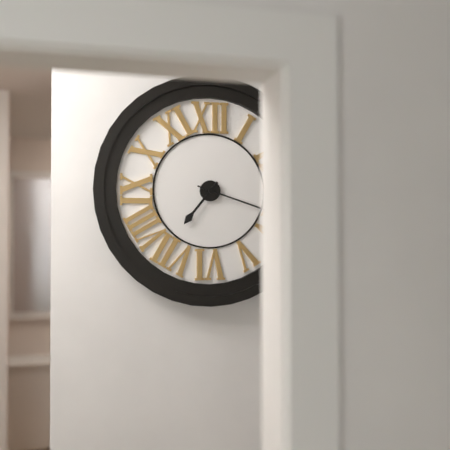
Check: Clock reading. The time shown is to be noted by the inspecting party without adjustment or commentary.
7:18
